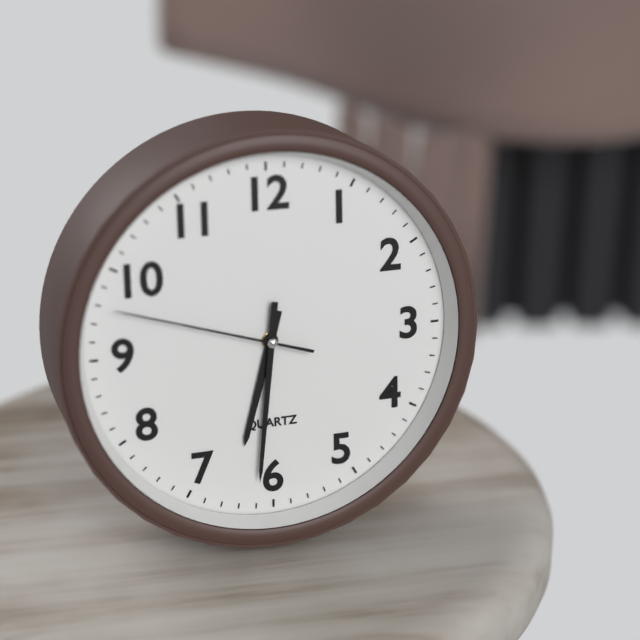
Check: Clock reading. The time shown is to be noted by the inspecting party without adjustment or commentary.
6:31:48
